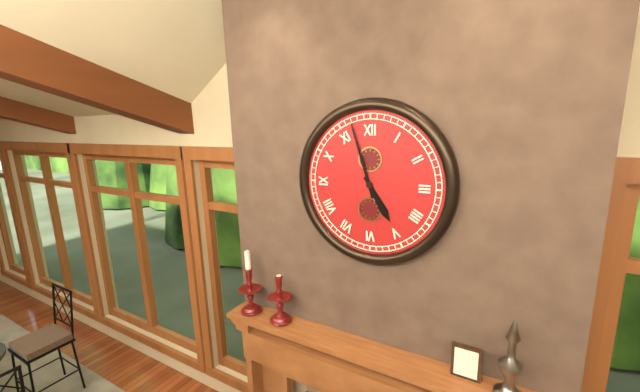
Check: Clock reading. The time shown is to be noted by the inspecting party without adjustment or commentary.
4:57
